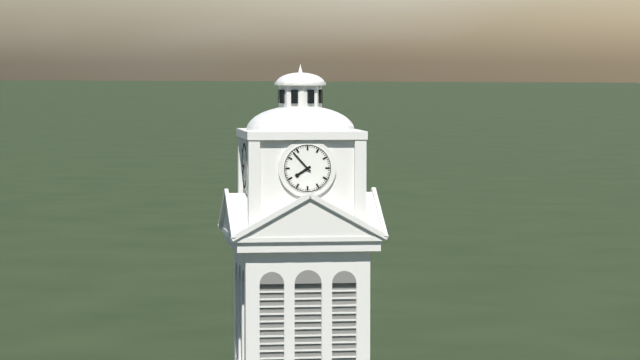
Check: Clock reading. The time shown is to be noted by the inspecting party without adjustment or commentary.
7:53
